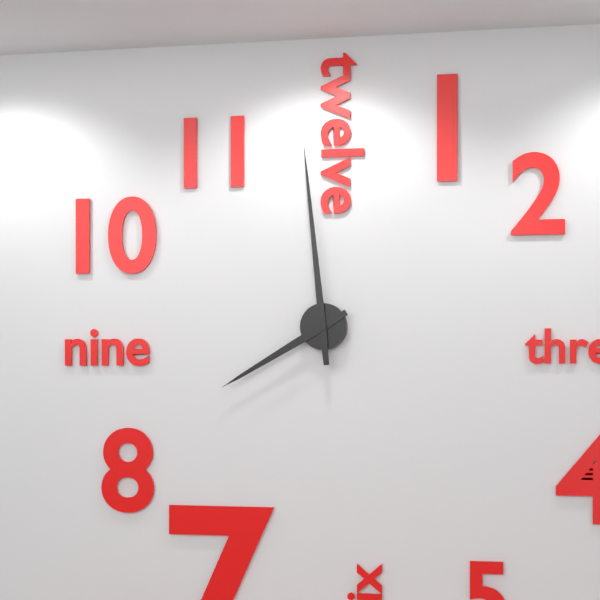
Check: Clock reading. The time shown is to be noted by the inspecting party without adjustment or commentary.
7:59
